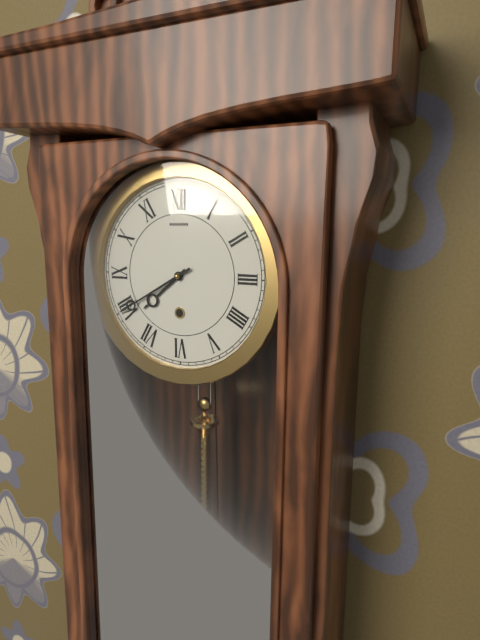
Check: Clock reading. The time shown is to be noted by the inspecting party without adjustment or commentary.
7:40
